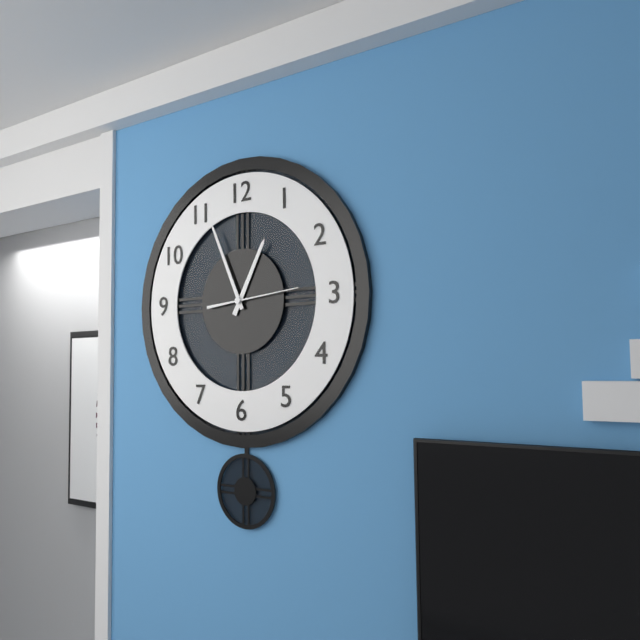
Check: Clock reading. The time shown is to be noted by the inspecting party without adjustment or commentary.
12:56:14
